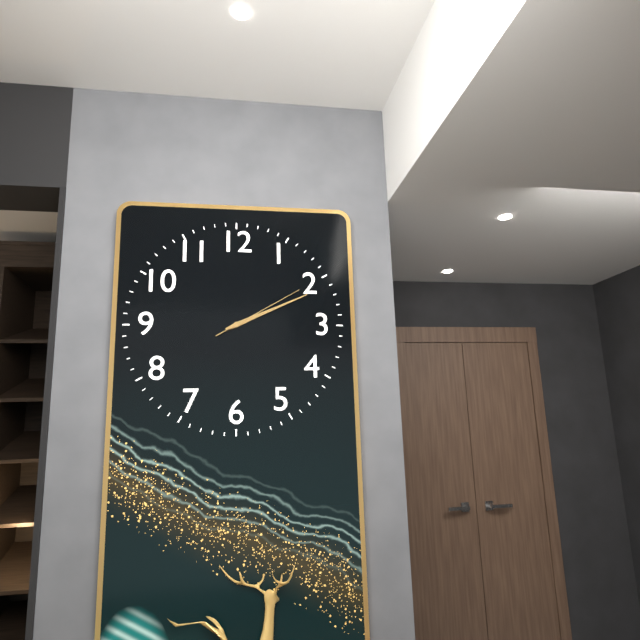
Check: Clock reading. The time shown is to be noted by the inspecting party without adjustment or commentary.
2:11:10
